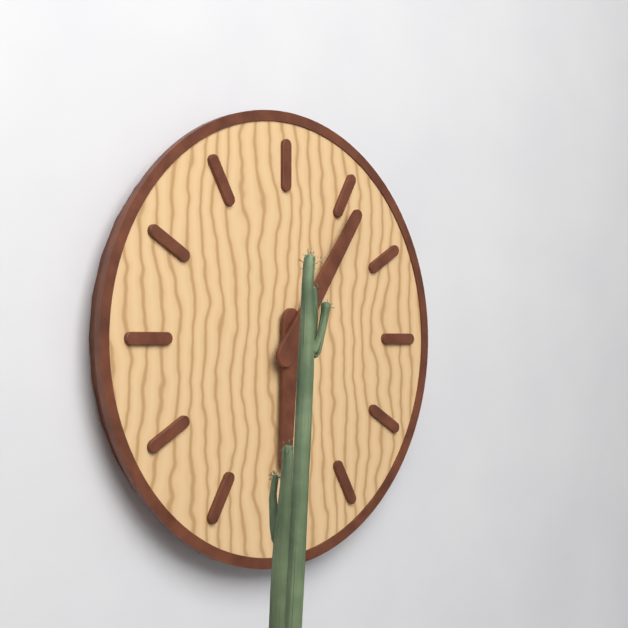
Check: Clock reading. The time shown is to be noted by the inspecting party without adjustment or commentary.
6:06
